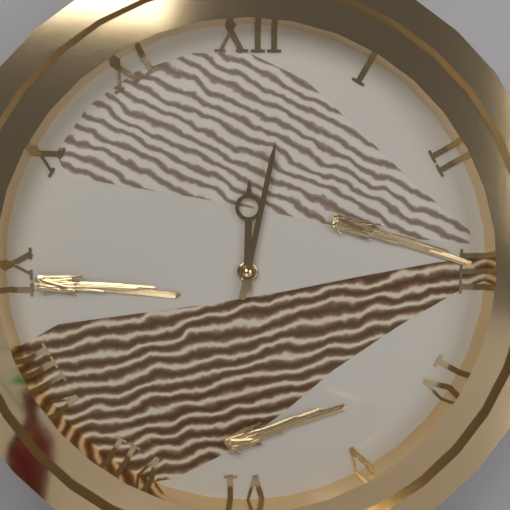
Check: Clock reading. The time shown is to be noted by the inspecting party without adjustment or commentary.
12:02
